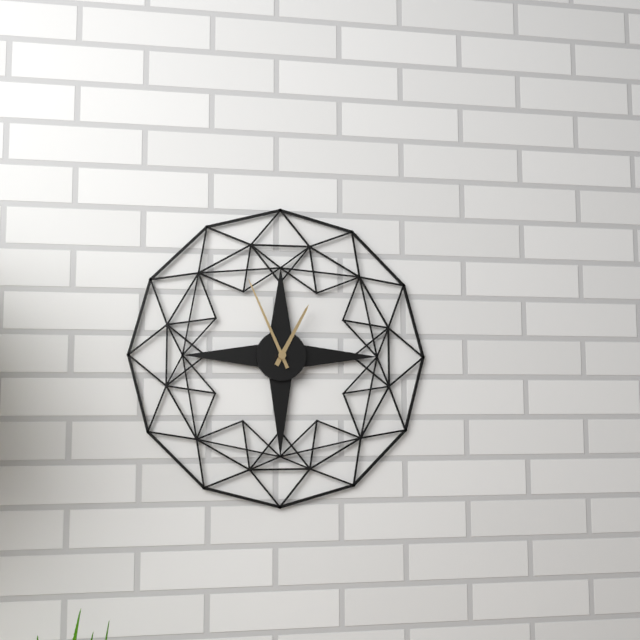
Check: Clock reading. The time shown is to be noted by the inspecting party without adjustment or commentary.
12:56
